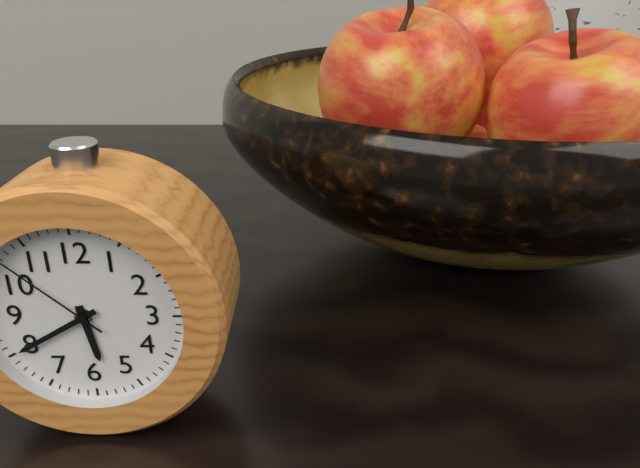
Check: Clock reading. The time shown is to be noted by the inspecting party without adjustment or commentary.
5:40:52
